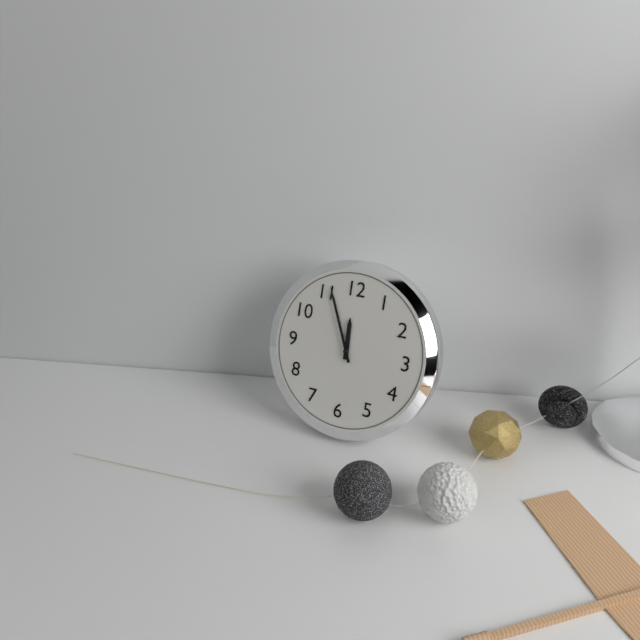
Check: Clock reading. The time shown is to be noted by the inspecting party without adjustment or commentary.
11:56
